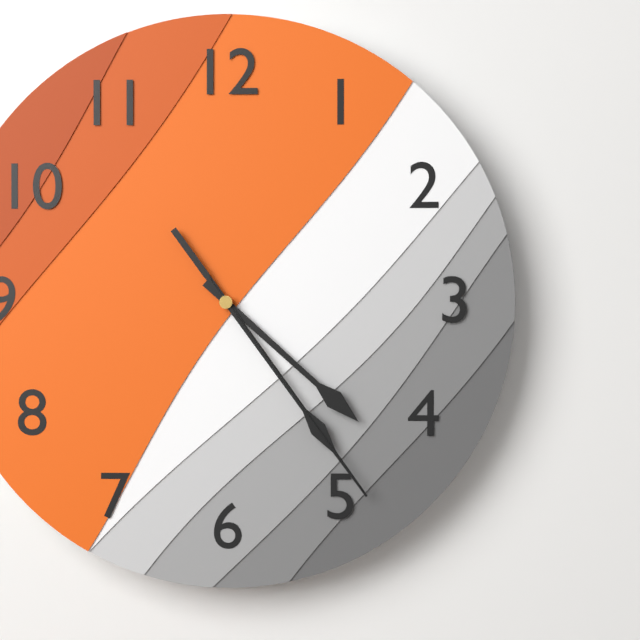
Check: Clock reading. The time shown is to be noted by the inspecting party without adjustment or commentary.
4:24:24
